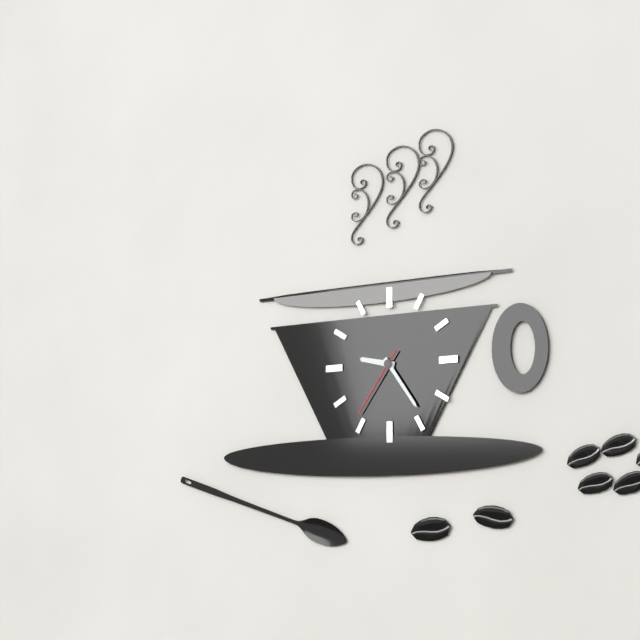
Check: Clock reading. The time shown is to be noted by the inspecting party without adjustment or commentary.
9:24:36
